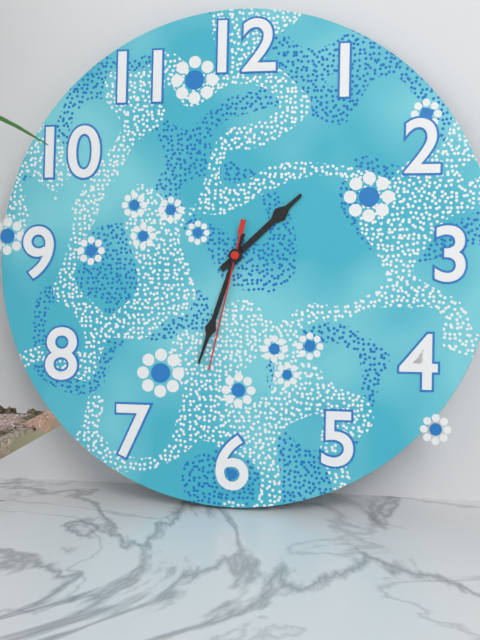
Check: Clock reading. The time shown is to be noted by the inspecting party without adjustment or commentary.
1:33:32
